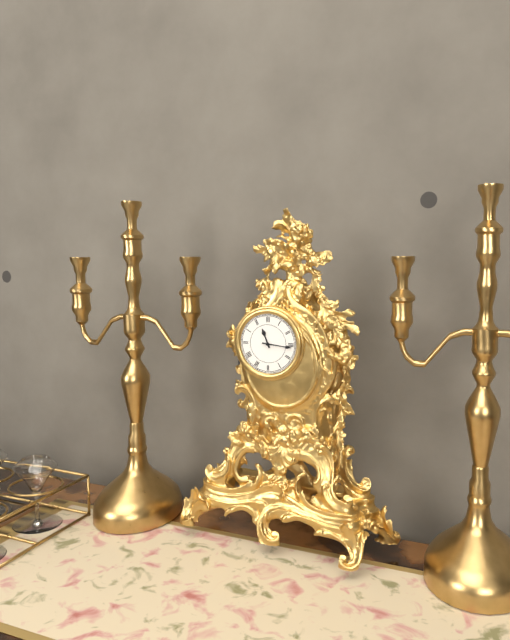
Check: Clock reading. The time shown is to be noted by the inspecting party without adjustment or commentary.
11:16
